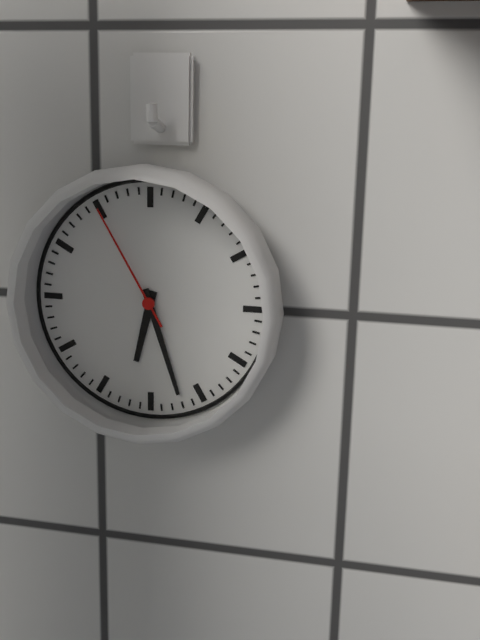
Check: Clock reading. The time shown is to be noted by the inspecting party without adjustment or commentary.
6:27:55
